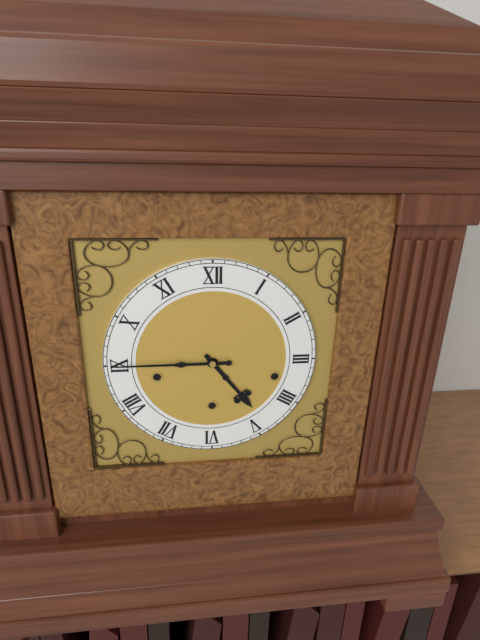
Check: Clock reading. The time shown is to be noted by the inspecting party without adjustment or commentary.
4:45
